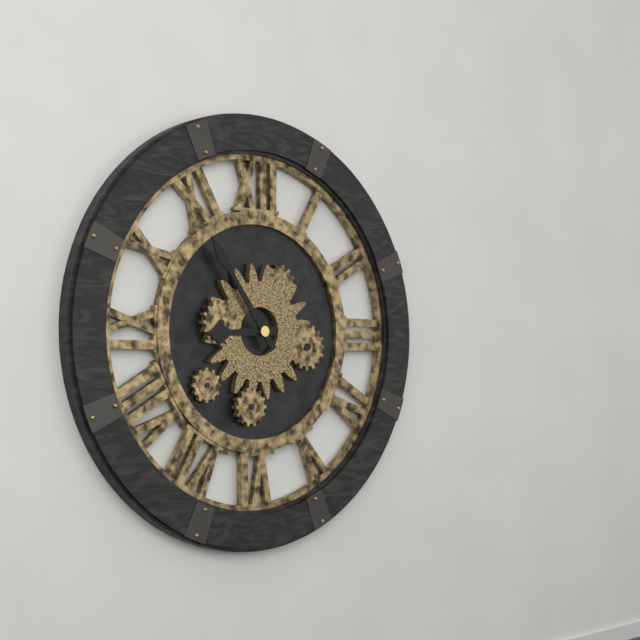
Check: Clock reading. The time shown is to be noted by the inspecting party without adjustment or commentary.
8:54
